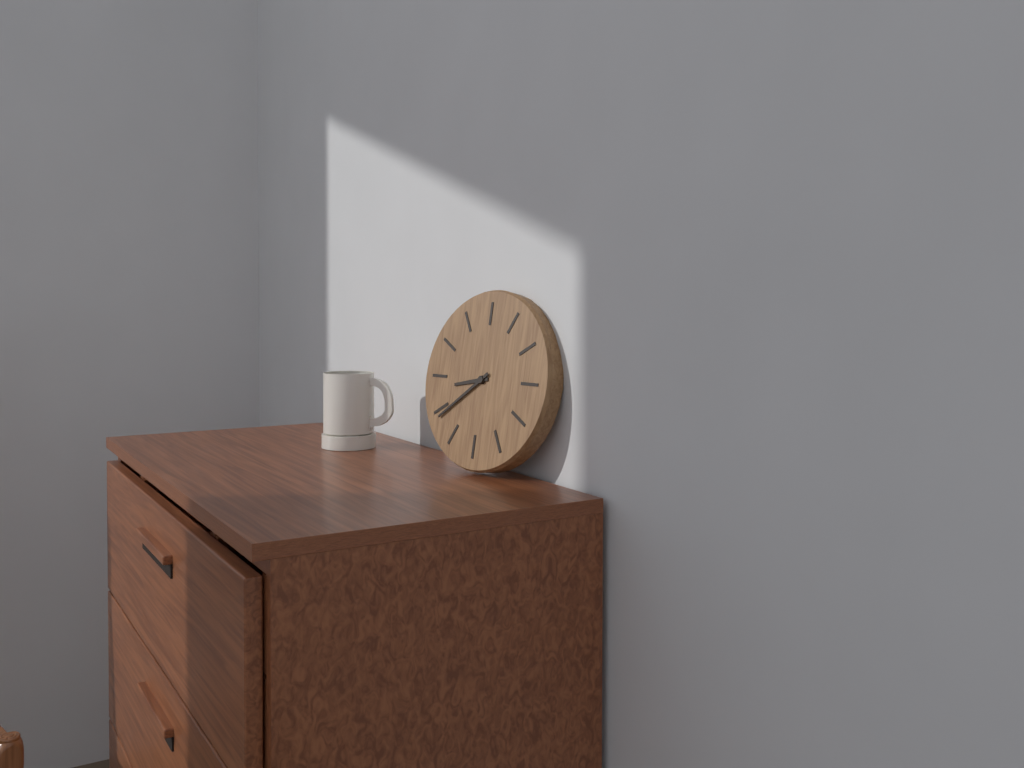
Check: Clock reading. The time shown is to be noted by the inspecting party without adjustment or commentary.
8:39
